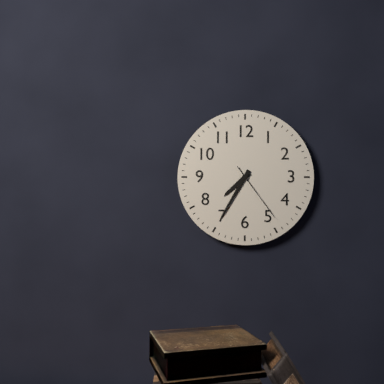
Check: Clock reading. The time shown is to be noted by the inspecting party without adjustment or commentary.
7:35:24
